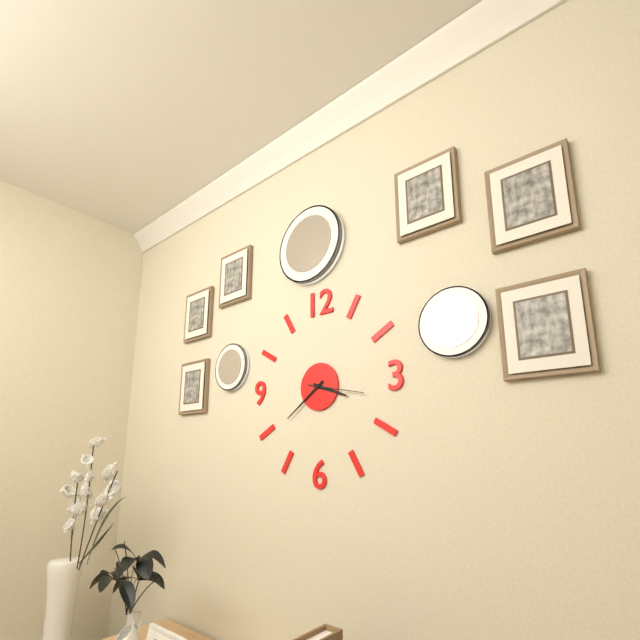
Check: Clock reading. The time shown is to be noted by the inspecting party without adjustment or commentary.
3:39:17
